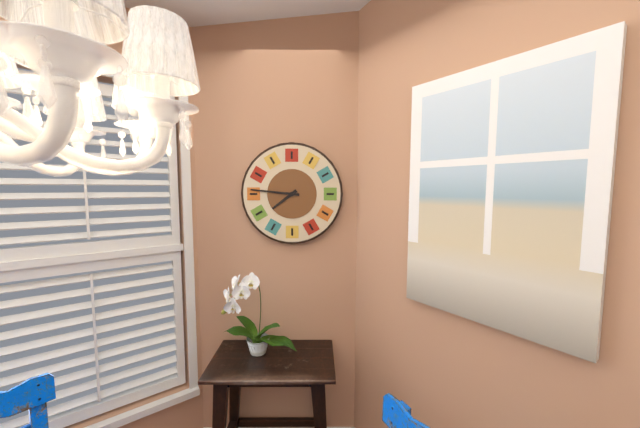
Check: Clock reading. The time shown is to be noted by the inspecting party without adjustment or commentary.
7:46
